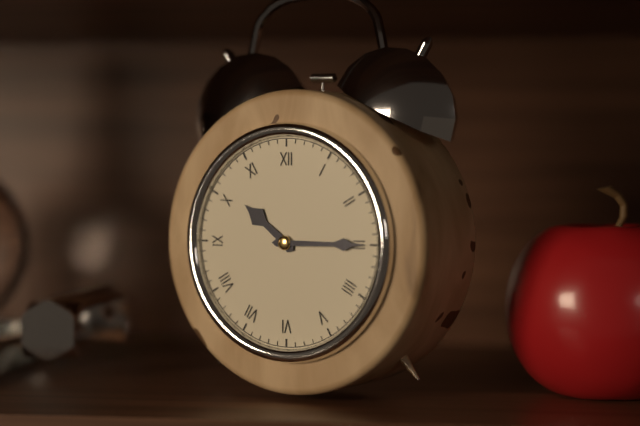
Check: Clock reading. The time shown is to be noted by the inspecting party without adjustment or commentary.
10:15
